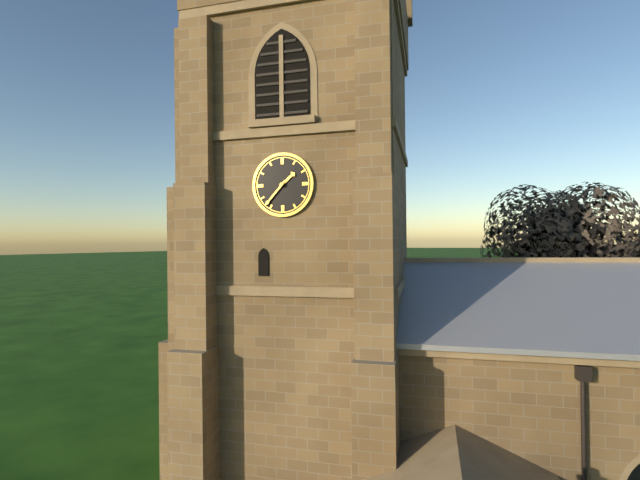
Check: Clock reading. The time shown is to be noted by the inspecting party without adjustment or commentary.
1:37
